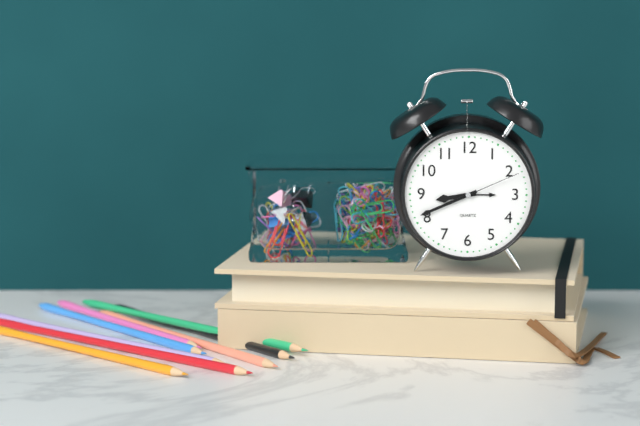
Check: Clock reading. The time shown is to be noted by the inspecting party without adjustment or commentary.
8:41:11
